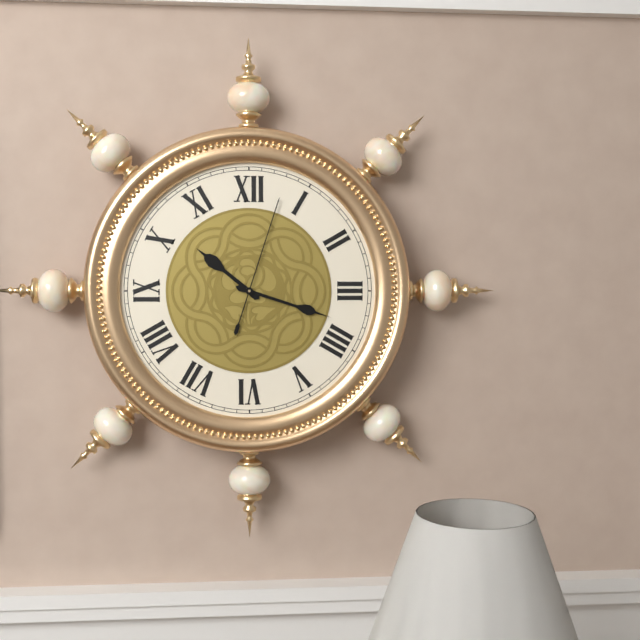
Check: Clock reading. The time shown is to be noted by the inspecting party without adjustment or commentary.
10:18:03
